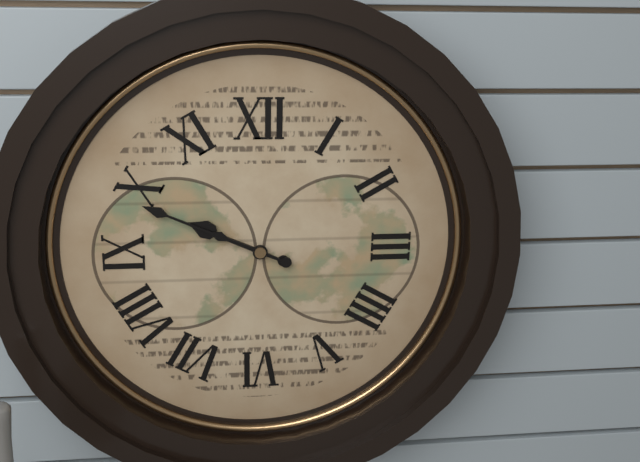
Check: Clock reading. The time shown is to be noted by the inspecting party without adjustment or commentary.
9:49
